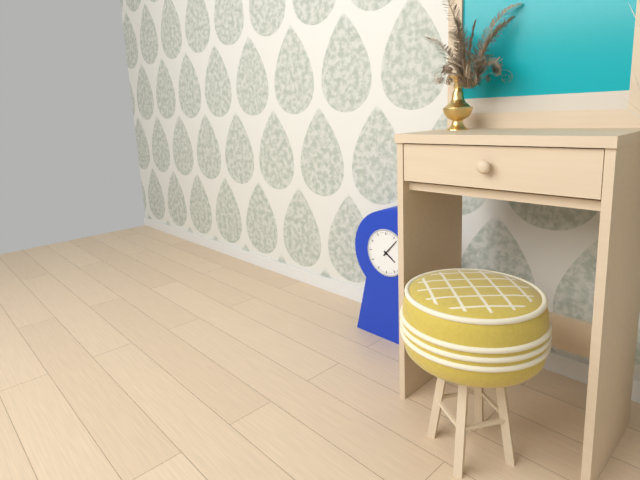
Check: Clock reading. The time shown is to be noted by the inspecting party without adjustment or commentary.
4:07
